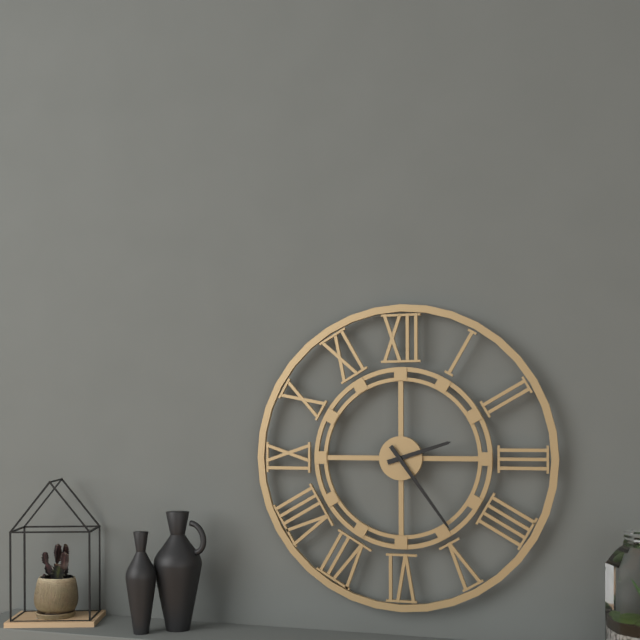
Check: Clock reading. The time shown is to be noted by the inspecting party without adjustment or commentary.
2:24
